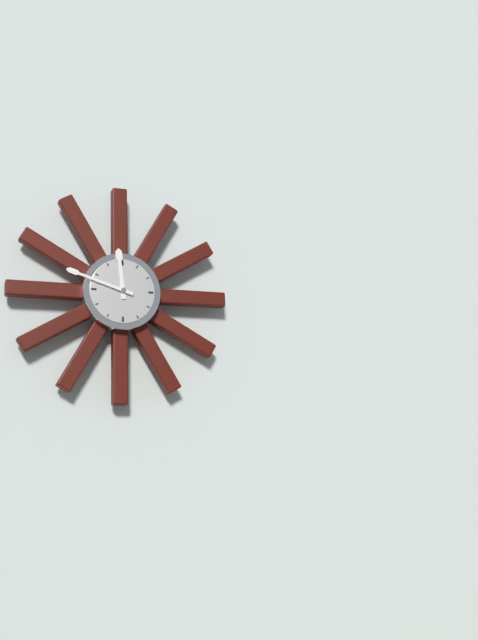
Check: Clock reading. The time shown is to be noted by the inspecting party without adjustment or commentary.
11:48
